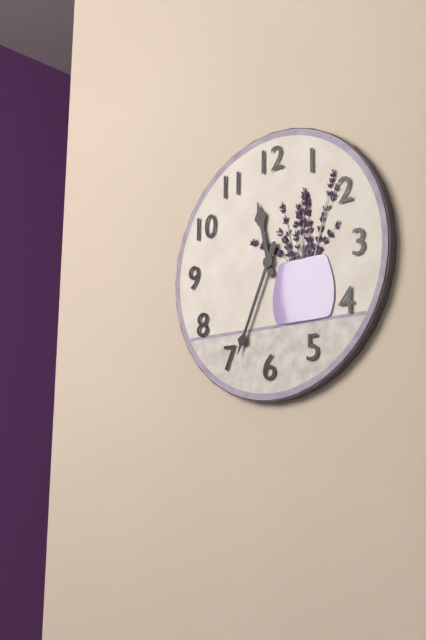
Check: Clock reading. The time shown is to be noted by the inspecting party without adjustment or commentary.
11:34
